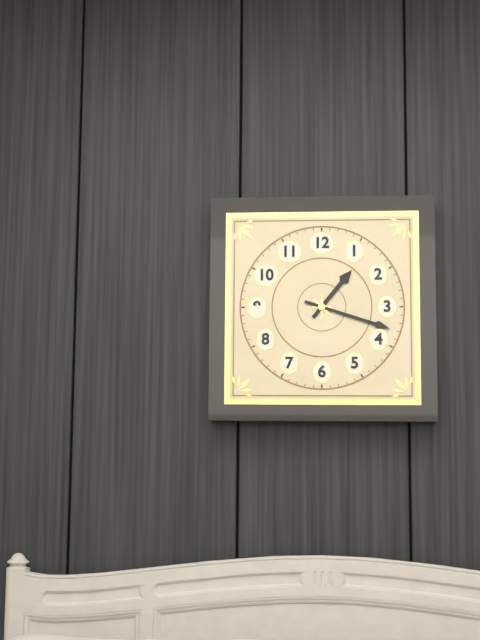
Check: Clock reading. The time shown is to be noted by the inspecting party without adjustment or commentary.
1:18
